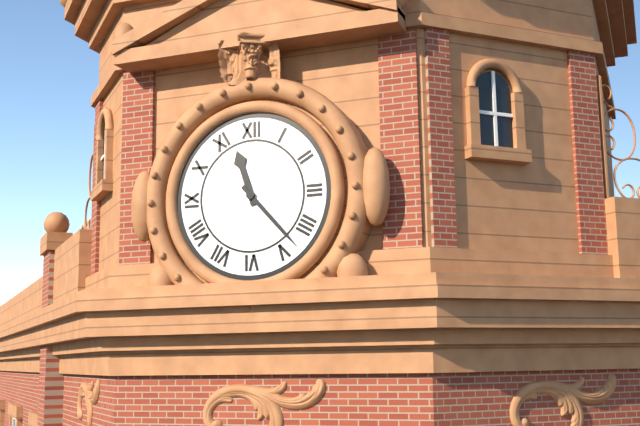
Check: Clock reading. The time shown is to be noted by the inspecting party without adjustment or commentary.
11:23
